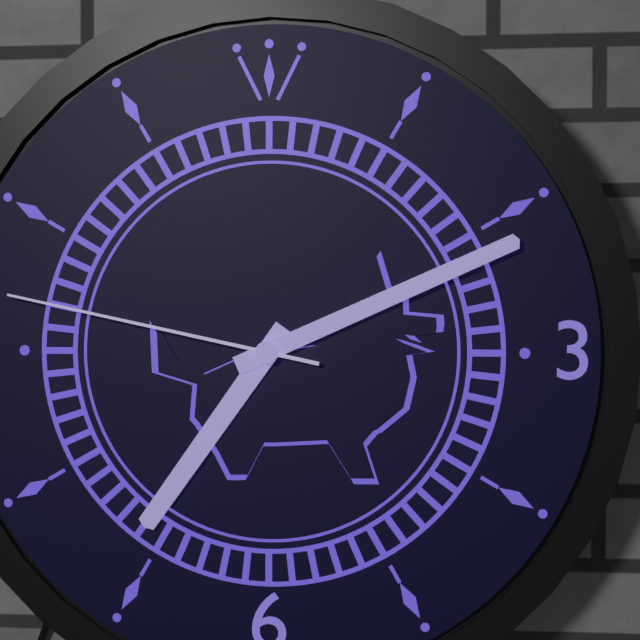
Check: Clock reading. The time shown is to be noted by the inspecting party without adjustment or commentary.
7:11:47
